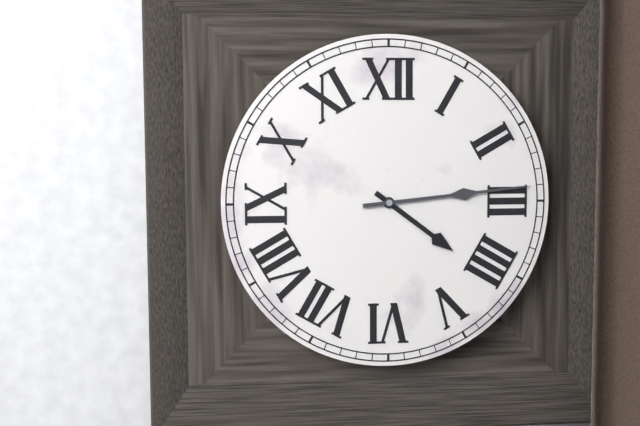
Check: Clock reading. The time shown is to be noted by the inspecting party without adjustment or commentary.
4:14
